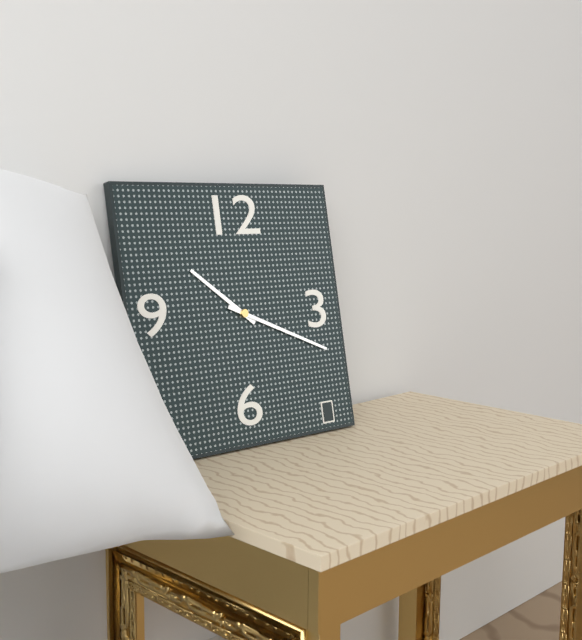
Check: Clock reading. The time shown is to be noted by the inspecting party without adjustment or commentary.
10:19
